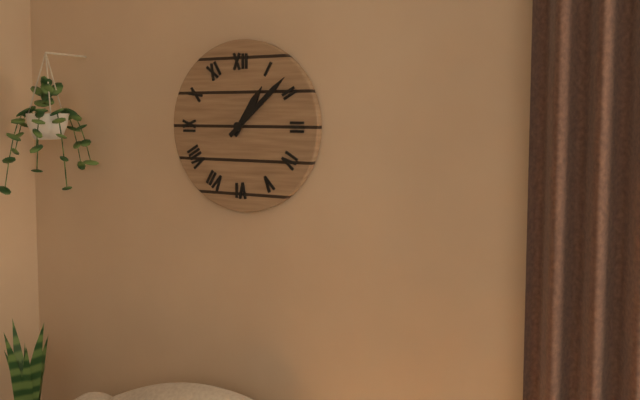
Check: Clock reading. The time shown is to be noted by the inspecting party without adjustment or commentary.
1:08
